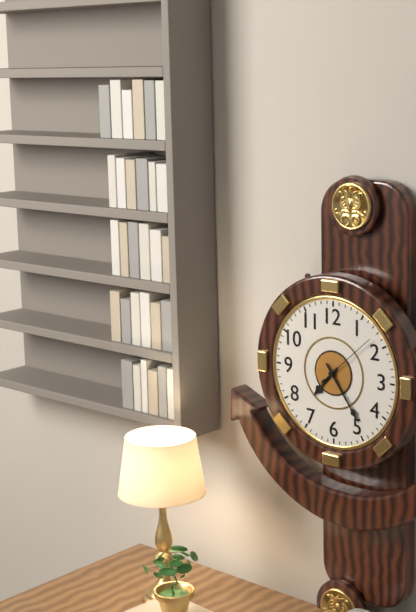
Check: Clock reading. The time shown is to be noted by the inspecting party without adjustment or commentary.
7:24:08
